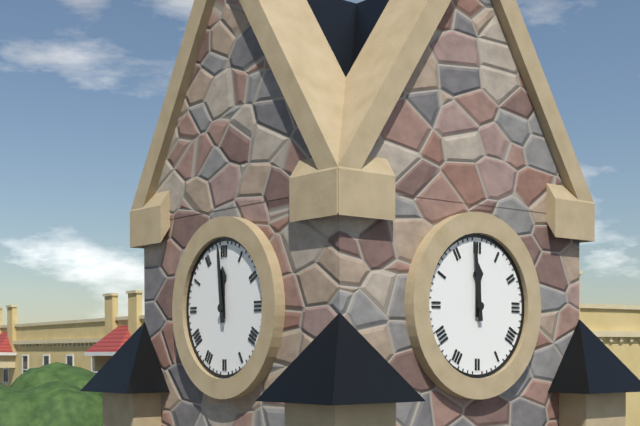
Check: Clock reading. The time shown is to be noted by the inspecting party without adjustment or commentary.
11:59
